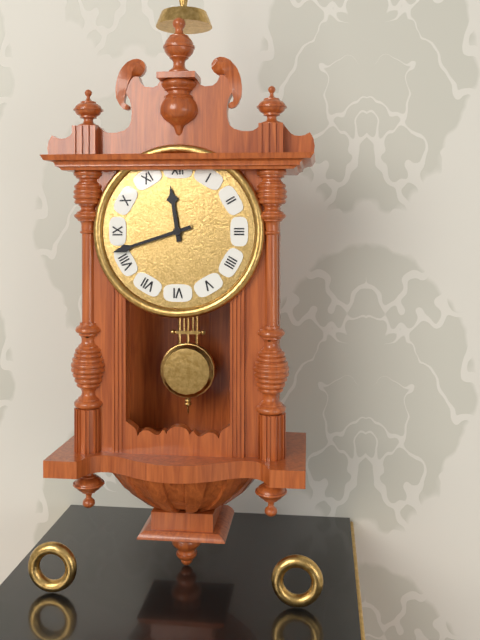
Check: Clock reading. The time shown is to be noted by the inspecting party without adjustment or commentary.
11:42
